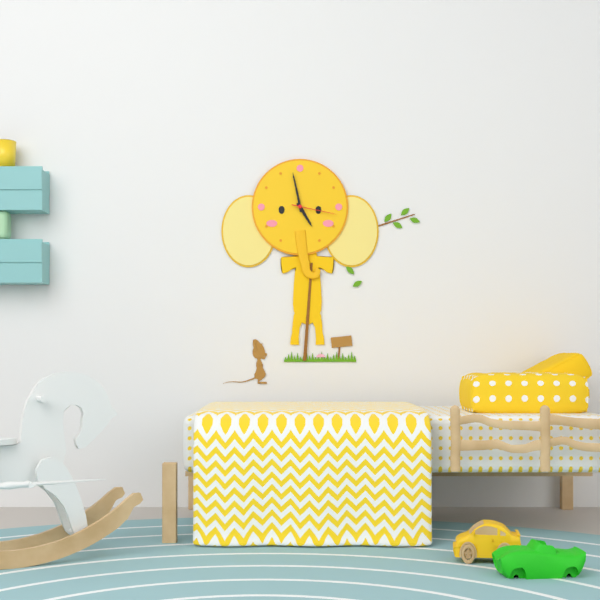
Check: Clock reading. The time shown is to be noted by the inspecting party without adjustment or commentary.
4:58
